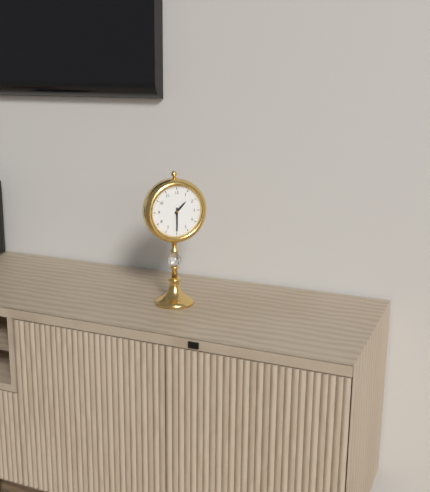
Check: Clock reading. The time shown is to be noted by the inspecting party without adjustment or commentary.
1:30
